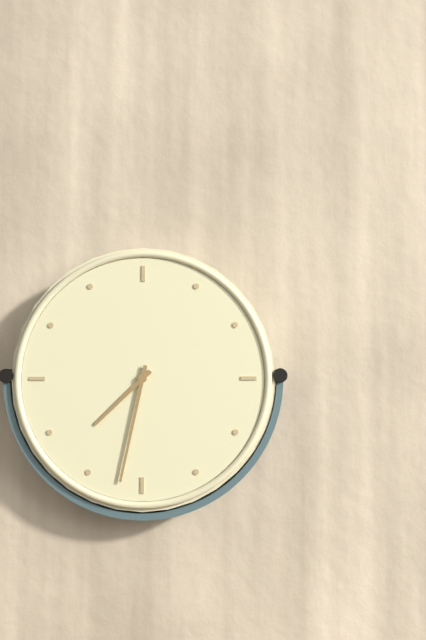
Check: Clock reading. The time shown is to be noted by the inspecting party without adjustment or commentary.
7:32
